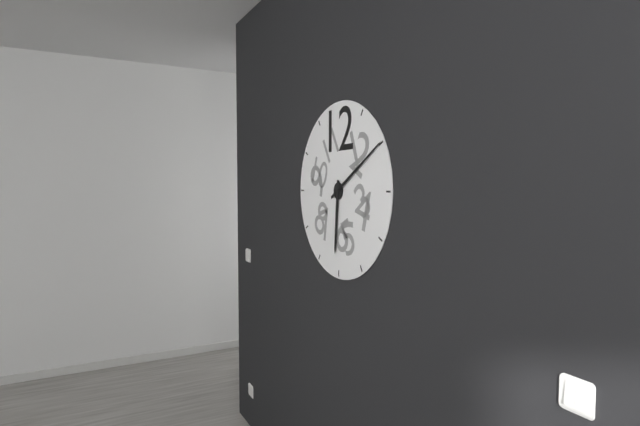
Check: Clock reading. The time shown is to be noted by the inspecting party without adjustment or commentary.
6:10
